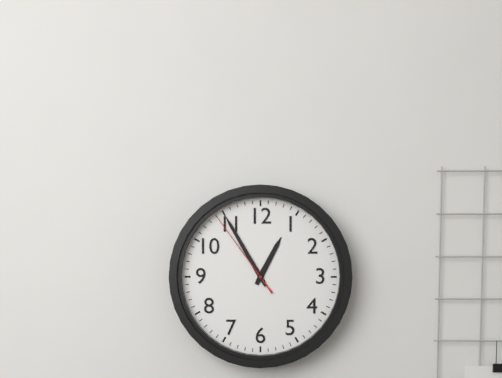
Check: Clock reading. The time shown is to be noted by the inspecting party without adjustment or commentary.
12:55:54
